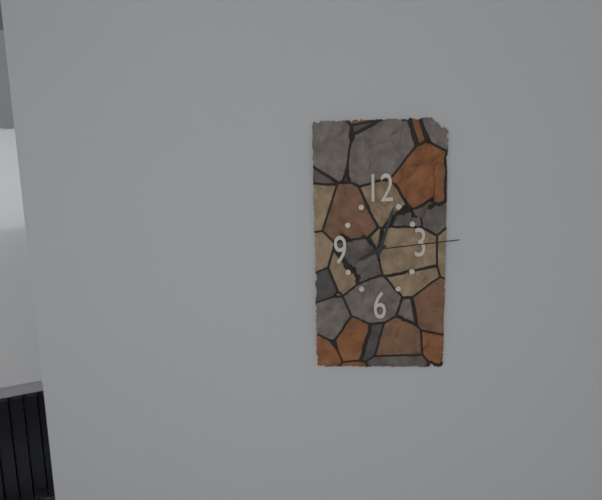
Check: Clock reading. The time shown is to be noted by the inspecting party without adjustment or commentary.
8:03:14
